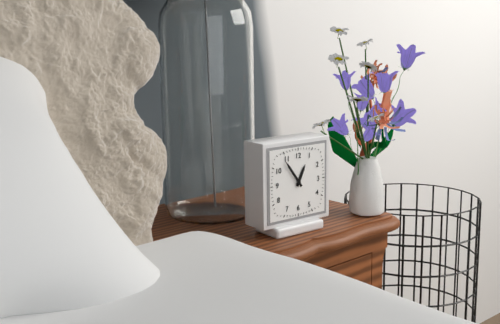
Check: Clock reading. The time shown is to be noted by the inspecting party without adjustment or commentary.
12:54
